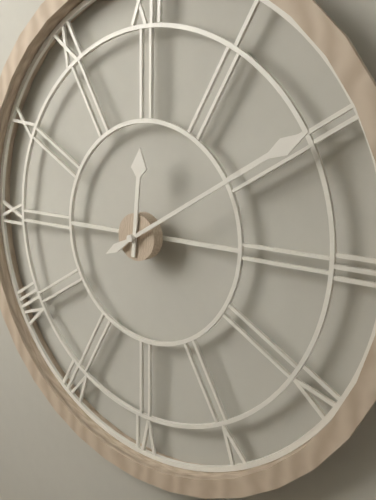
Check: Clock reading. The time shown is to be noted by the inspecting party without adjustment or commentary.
12:10
